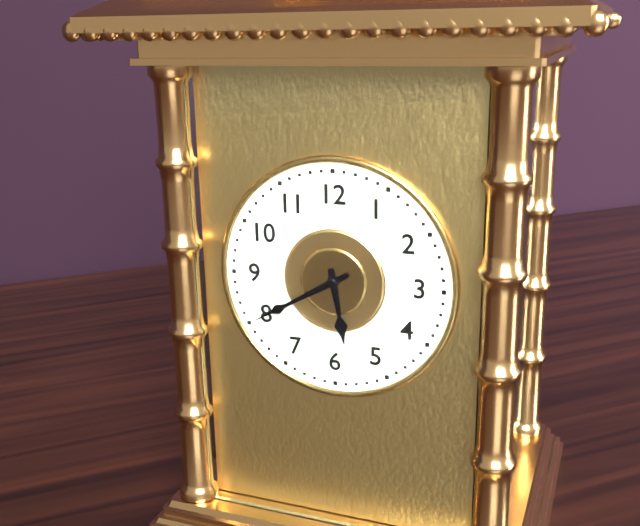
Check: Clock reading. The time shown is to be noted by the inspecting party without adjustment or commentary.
5:40
